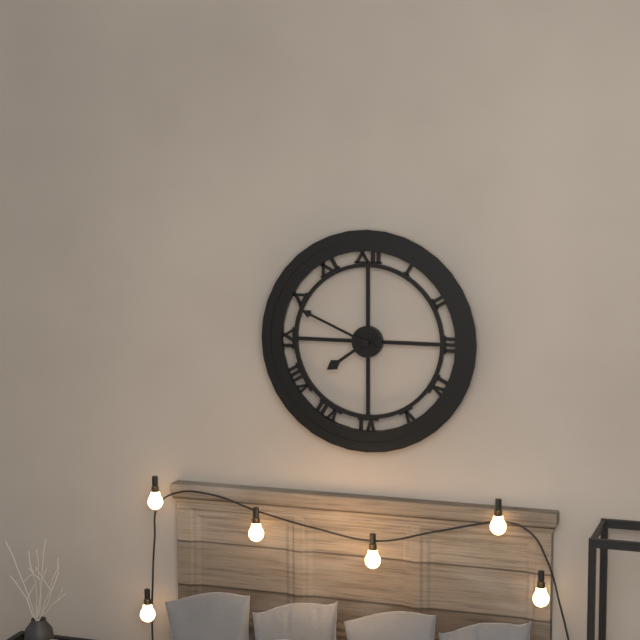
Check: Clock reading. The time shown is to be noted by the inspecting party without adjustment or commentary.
7:49
